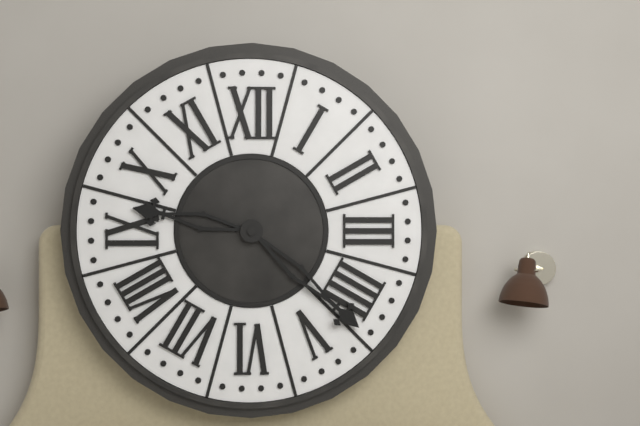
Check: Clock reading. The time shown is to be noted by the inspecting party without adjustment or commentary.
9:22
